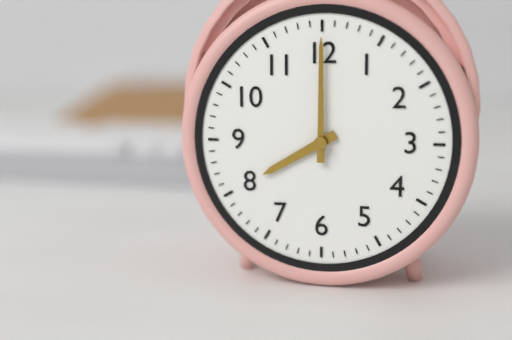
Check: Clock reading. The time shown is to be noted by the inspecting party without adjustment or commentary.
8:00
